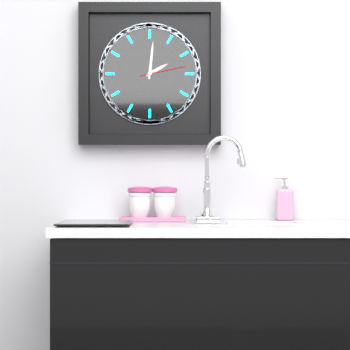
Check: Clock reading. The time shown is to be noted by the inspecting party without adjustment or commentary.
2:01
